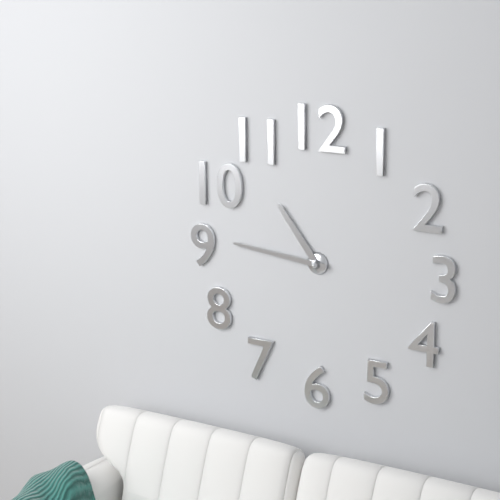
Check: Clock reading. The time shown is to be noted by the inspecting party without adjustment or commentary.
10:46
